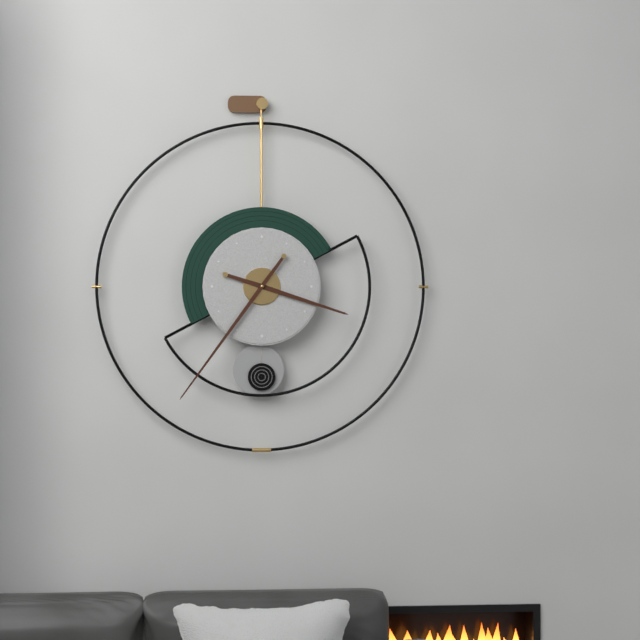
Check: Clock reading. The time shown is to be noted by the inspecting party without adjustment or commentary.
3:36
